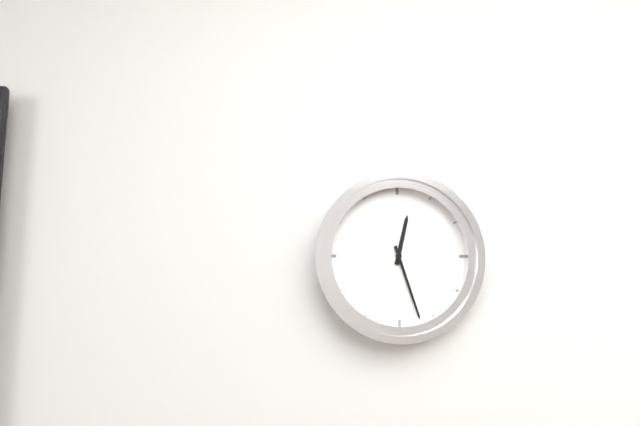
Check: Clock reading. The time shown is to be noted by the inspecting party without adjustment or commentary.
12:27
